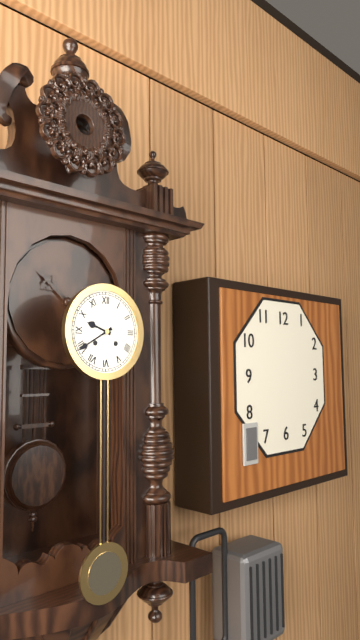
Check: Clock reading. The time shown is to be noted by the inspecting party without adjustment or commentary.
9:40
